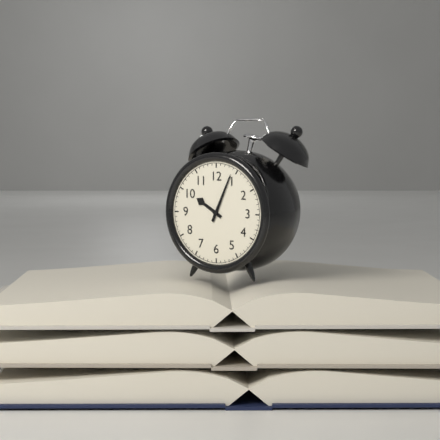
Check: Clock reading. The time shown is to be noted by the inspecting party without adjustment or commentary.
10:04
